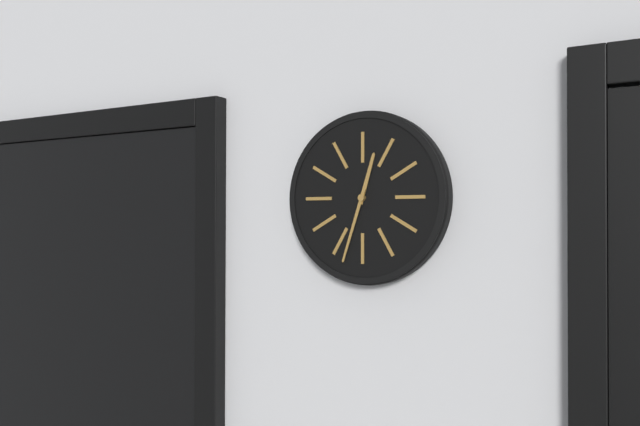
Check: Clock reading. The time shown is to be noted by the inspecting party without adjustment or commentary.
12:33
